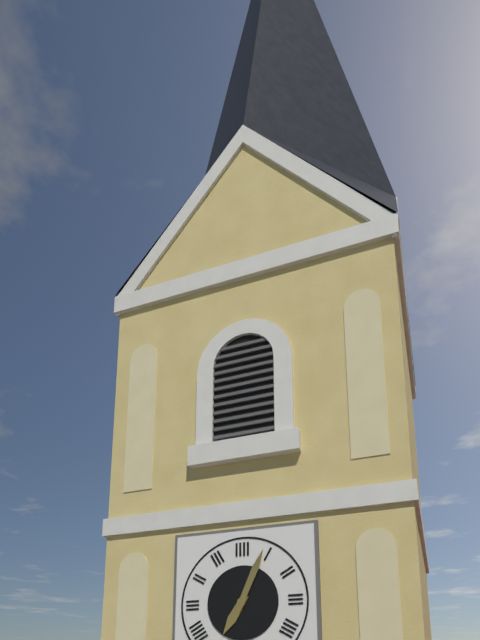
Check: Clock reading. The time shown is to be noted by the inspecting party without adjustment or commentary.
7:04
